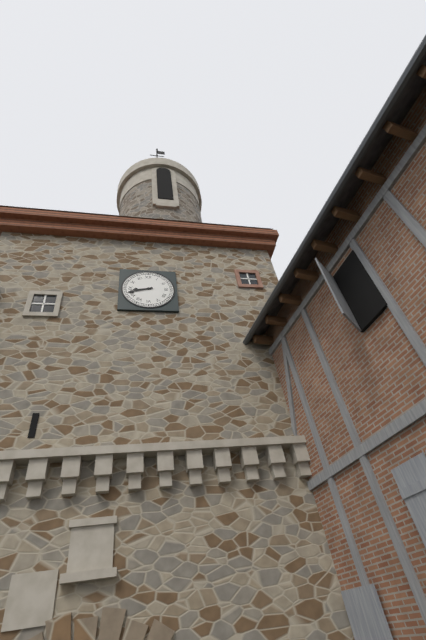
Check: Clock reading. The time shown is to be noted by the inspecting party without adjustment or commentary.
8:42
